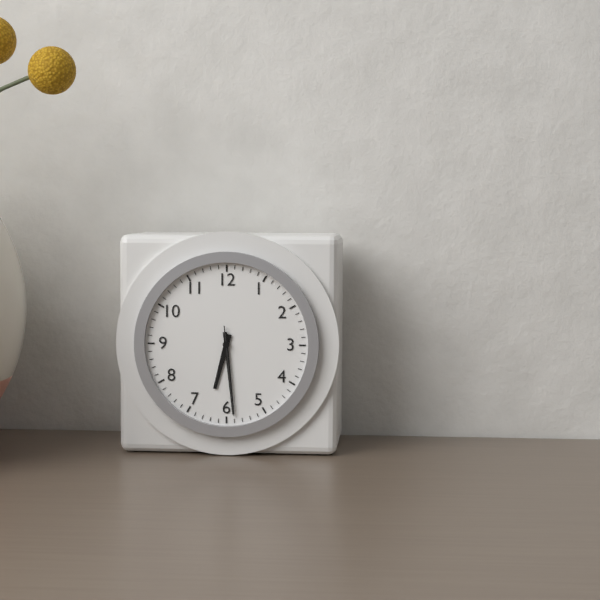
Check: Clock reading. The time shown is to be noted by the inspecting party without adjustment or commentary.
6:29:29
